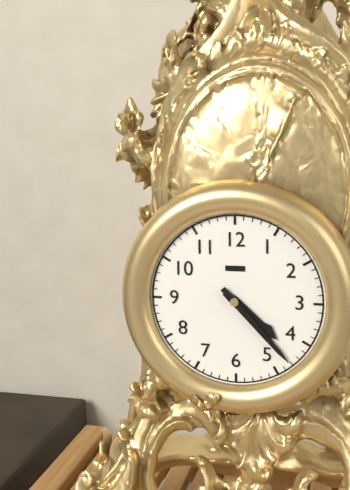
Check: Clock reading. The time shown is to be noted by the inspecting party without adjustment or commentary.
4:23
